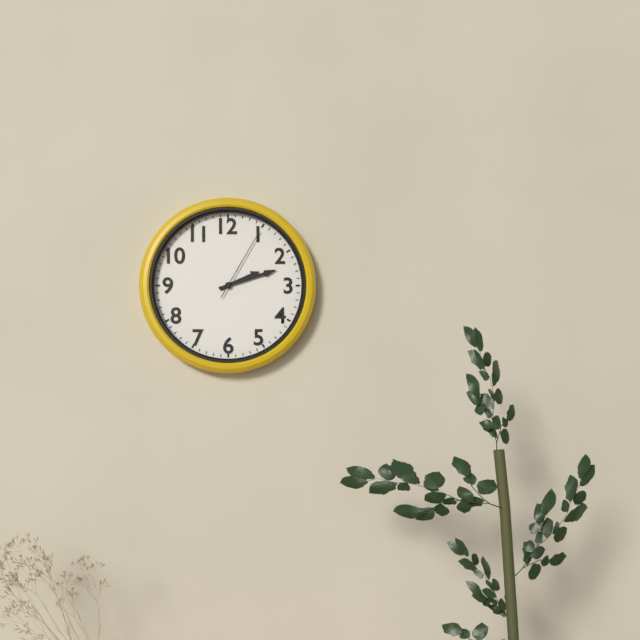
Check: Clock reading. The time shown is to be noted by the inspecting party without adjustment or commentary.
2:12:05
